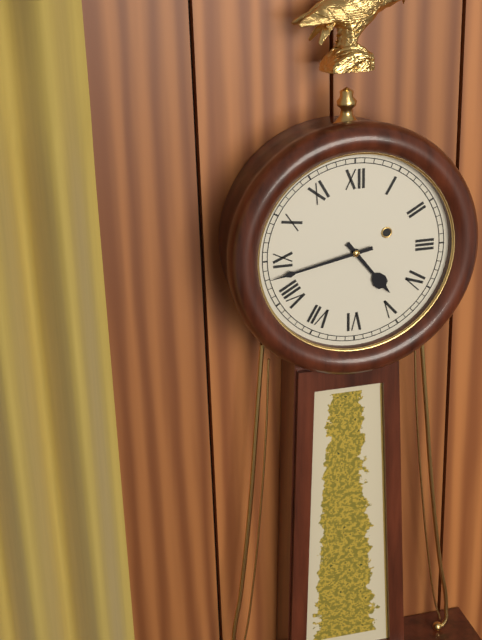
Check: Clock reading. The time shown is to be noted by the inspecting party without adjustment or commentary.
4:43
